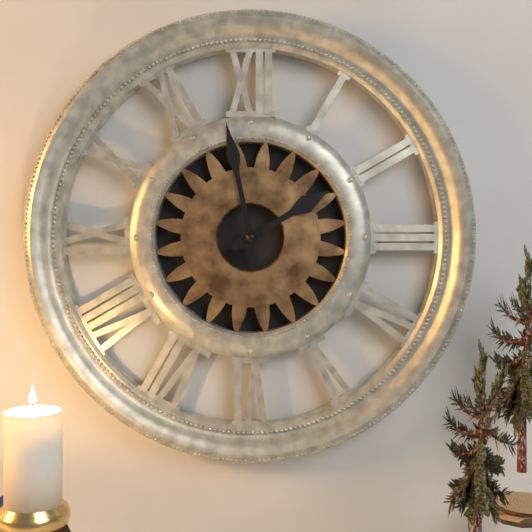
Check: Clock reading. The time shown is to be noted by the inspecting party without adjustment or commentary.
1:58
